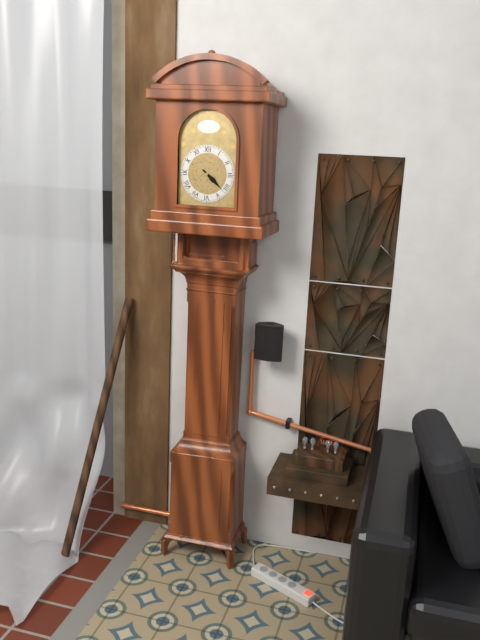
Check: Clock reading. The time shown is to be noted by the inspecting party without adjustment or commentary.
4:22
